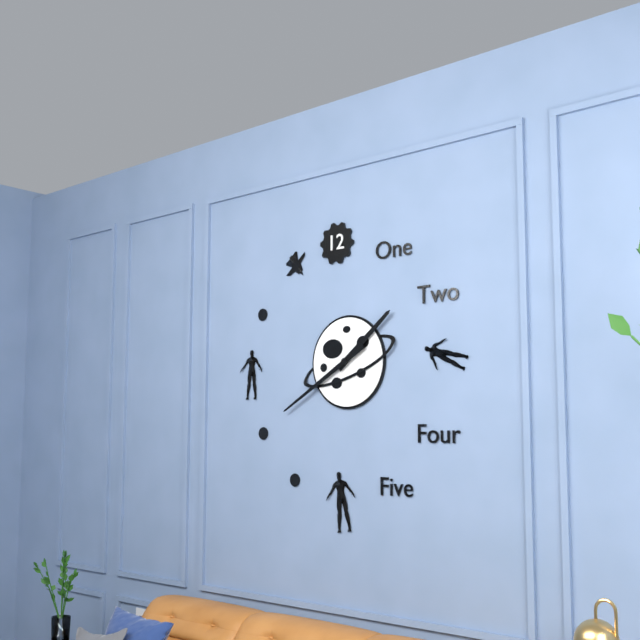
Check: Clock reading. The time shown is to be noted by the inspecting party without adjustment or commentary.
1:40
